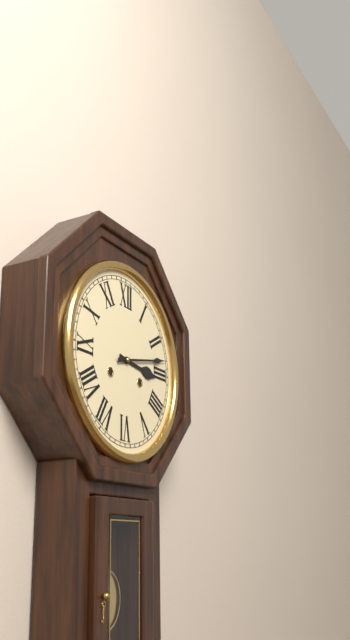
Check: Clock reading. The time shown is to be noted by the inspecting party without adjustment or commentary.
3:13
